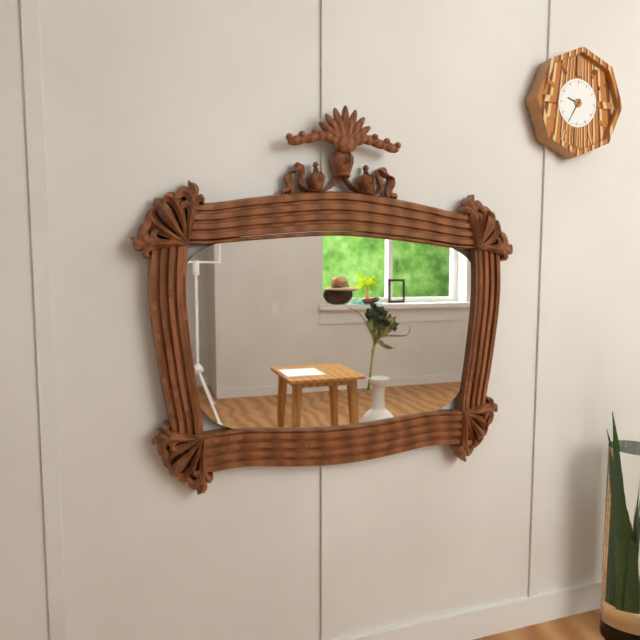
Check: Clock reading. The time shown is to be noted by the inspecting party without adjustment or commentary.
9:35
